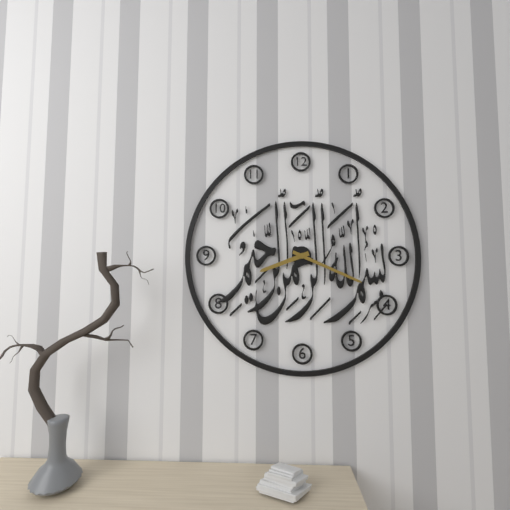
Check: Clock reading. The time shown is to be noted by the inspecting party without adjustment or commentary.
8:19
